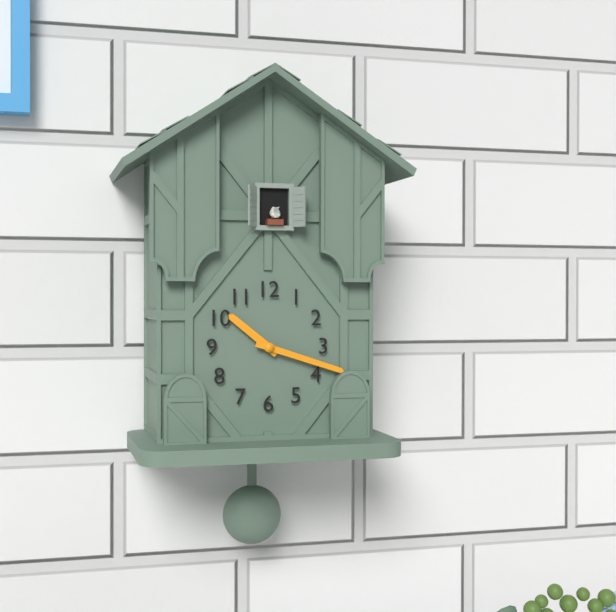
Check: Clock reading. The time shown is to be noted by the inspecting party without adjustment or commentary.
10:18
